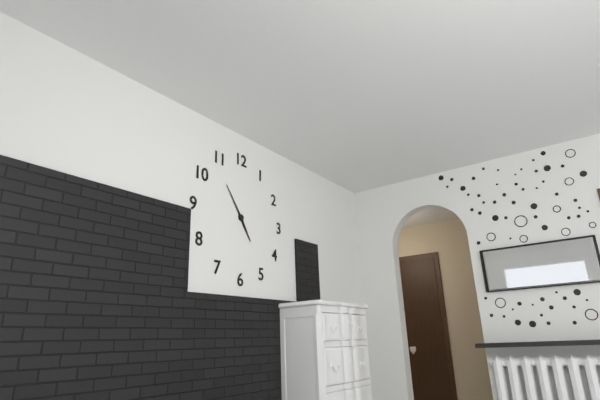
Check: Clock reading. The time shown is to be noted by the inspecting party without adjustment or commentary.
4:54
